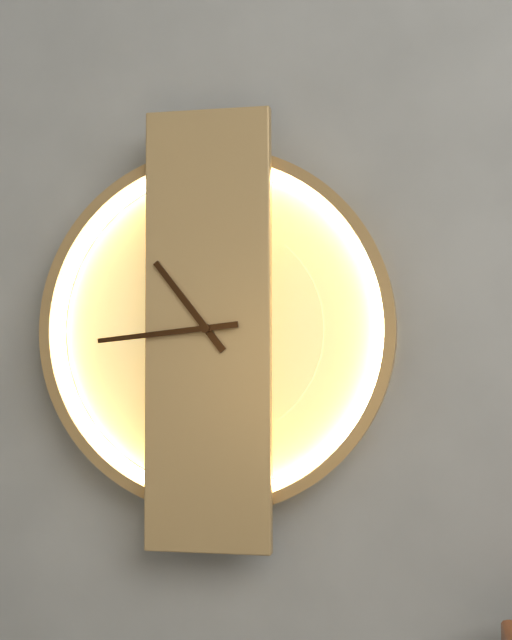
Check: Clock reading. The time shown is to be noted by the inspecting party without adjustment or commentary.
10:44
